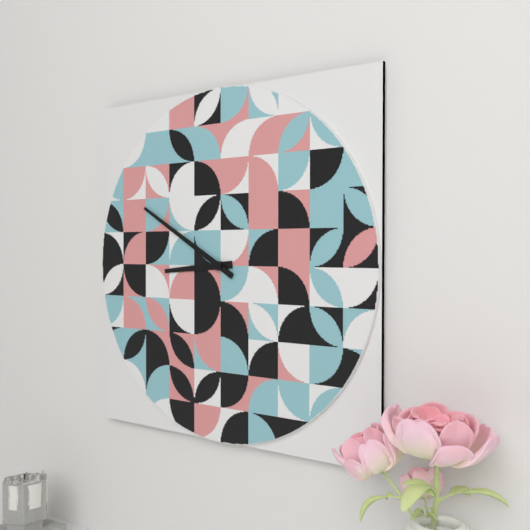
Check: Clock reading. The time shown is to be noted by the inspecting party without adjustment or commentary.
8:50
